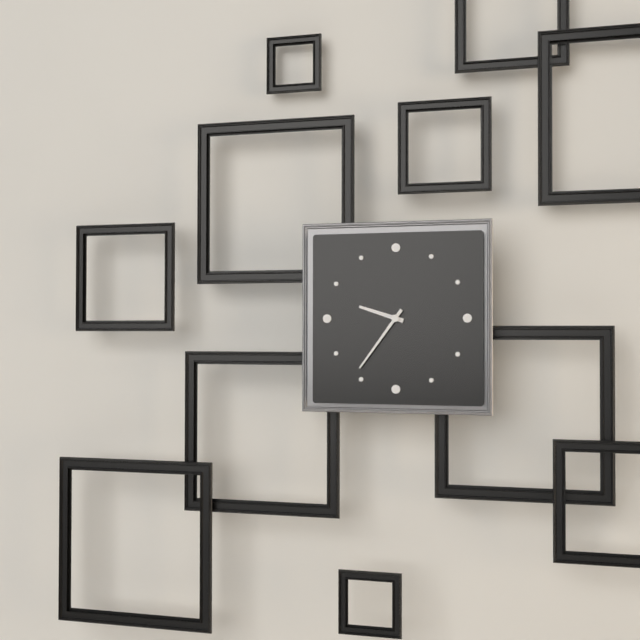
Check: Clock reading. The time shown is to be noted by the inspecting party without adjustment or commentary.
9:36
